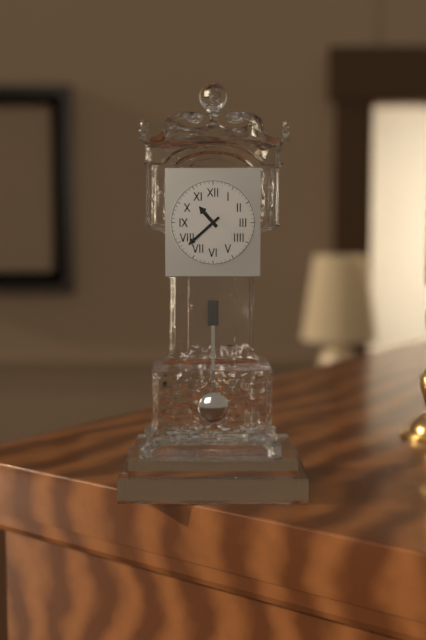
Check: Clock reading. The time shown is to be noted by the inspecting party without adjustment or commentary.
10:38
